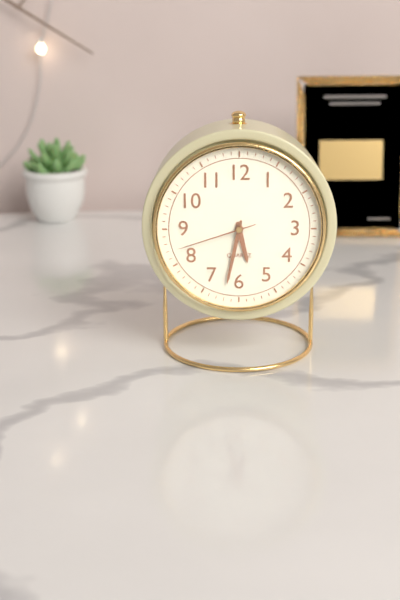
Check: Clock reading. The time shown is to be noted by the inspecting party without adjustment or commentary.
5:32:42
